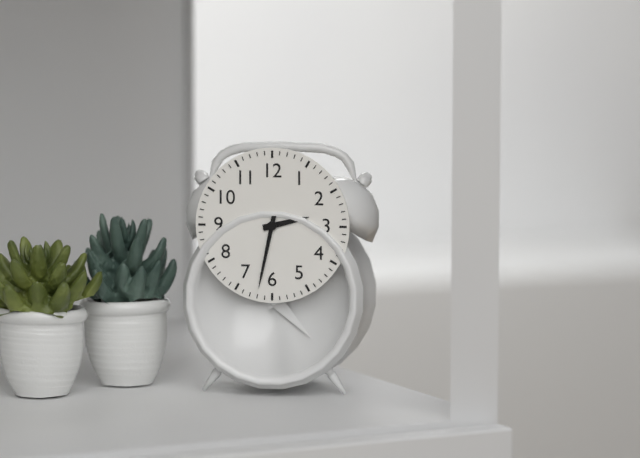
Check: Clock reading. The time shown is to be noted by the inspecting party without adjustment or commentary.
2:32
